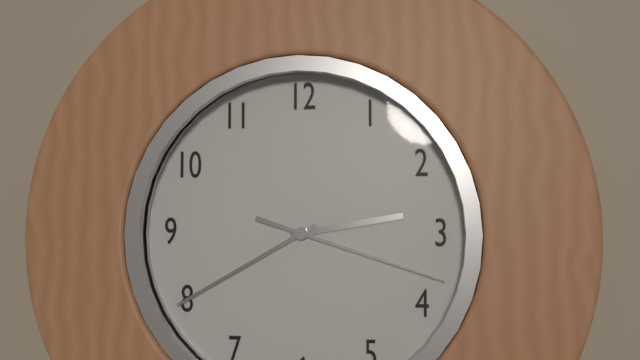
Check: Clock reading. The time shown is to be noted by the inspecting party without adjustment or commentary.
2:40:18
